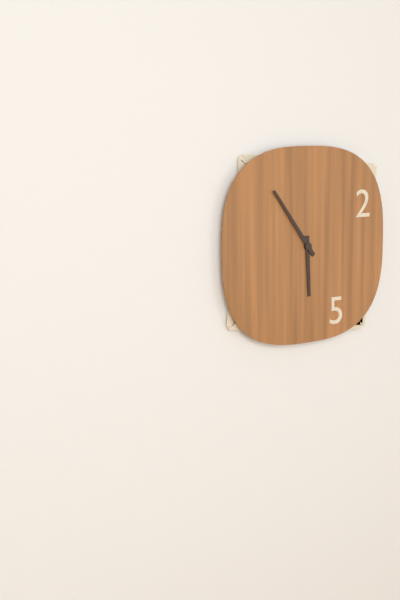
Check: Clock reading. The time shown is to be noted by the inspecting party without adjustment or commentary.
5:54
